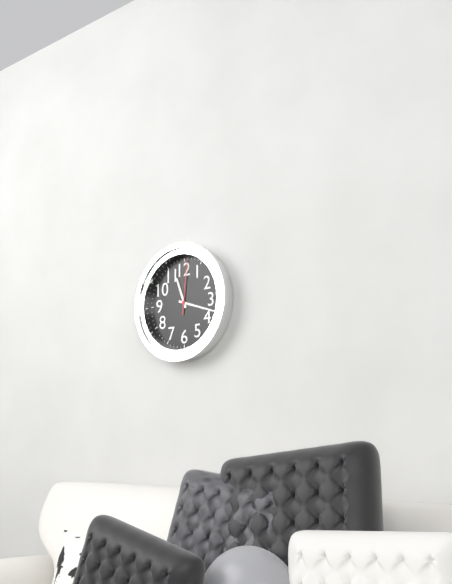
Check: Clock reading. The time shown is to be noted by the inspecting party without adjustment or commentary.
11:18:01
